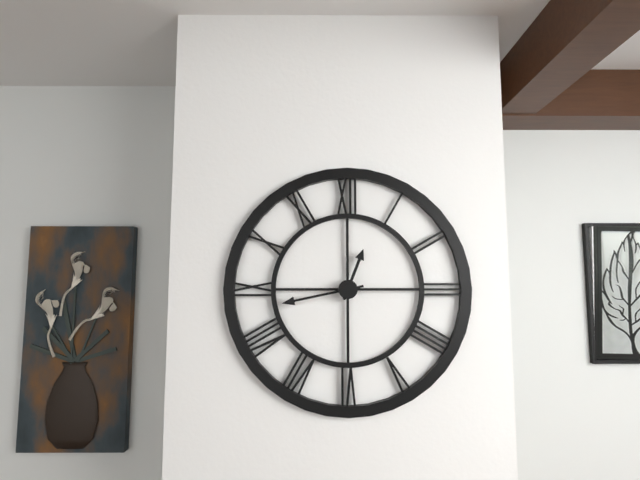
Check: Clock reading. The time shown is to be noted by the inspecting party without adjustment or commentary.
12:43
